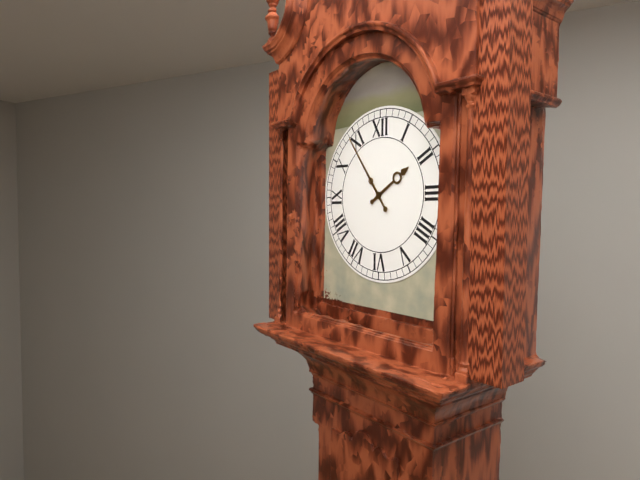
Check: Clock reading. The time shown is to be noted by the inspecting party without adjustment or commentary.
1:54
